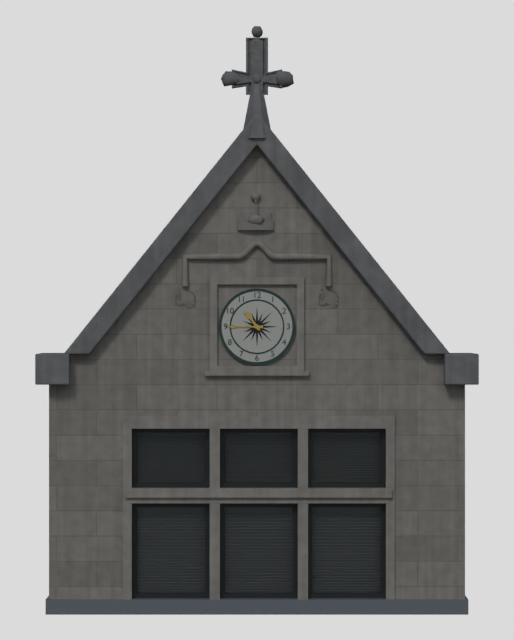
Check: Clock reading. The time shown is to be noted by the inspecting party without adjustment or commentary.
10:45
